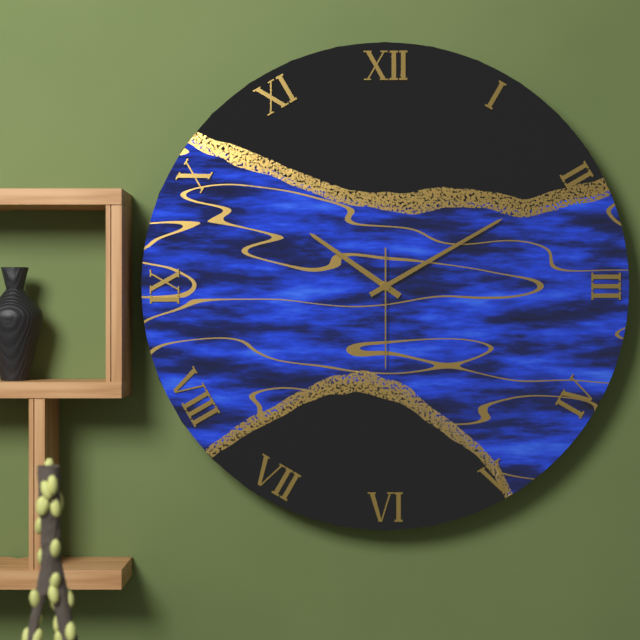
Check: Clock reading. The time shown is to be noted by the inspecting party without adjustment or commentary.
10:10:30
